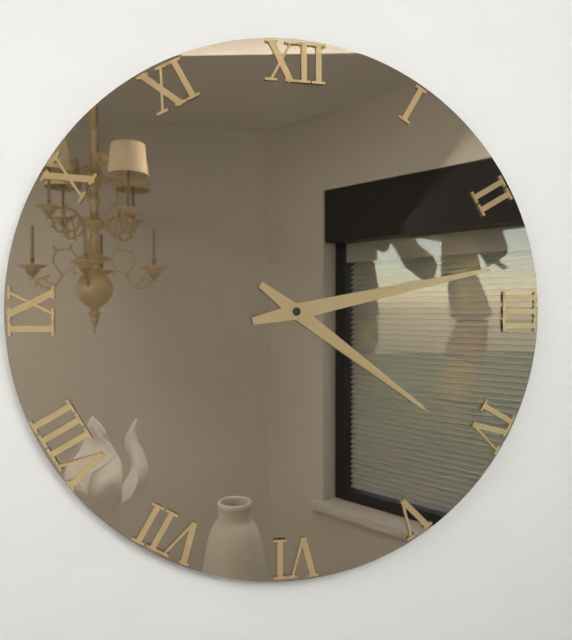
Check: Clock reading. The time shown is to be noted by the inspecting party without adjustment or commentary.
4:13
